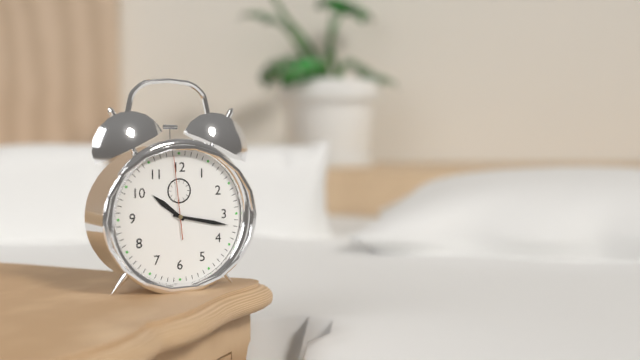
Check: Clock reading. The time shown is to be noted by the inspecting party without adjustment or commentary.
10:17:59
